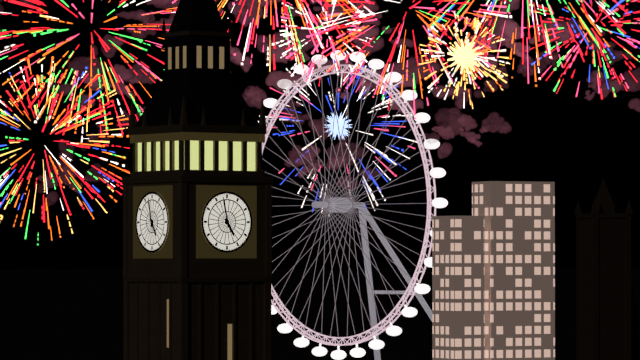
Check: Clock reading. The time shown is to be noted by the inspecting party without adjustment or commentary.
4:58
